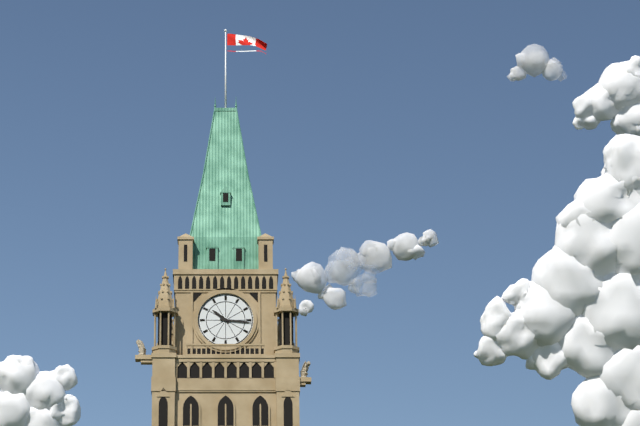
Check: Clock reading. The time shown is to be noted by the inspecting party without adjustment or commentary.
10:16
